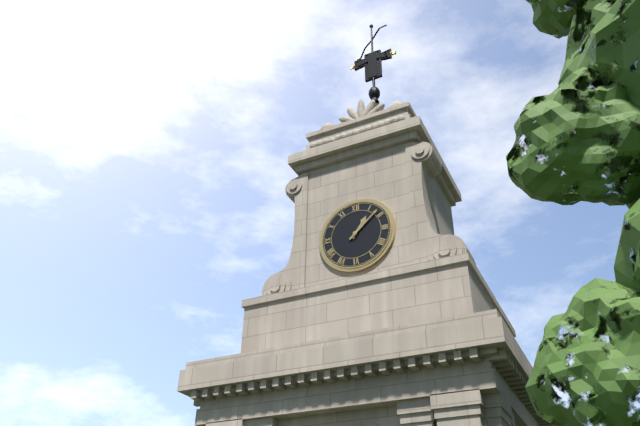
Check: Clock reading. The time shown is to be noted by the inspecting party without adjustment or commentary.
1:08
